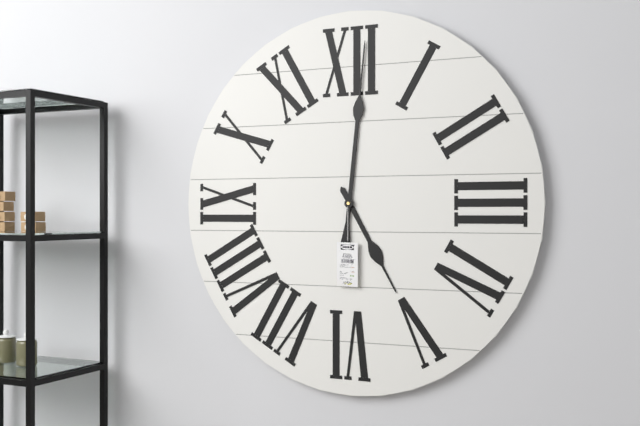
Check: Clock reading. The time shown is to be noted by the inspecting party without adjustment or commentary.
5:01
